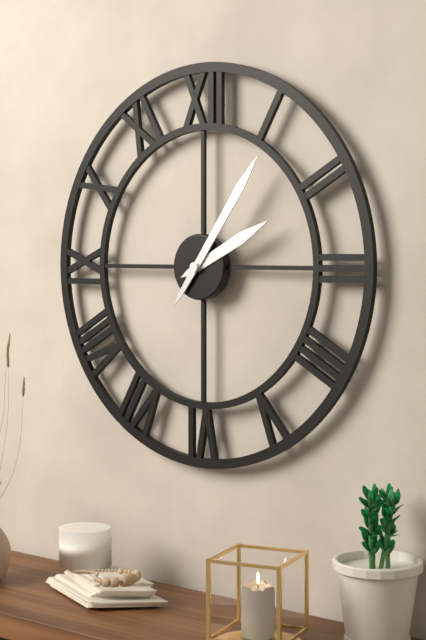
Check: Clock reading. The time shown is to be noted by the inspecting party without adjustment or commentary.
2:06
